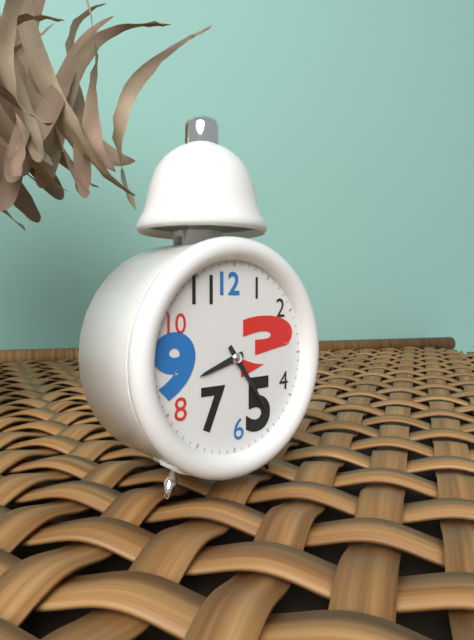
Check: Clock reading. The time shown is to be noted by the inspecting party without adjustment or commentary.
8:24
